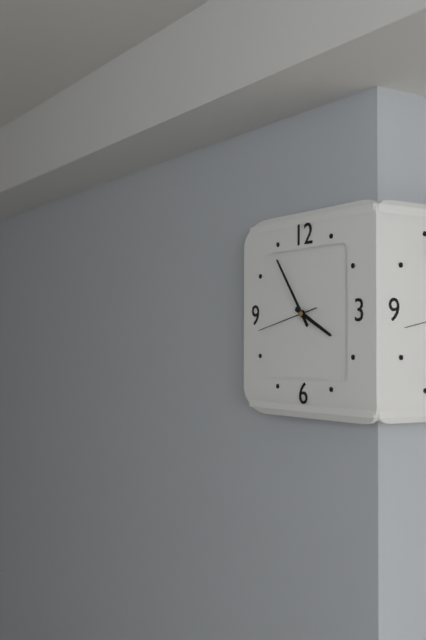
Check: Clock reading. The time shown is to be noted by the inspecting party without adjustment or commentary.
3:54:43
